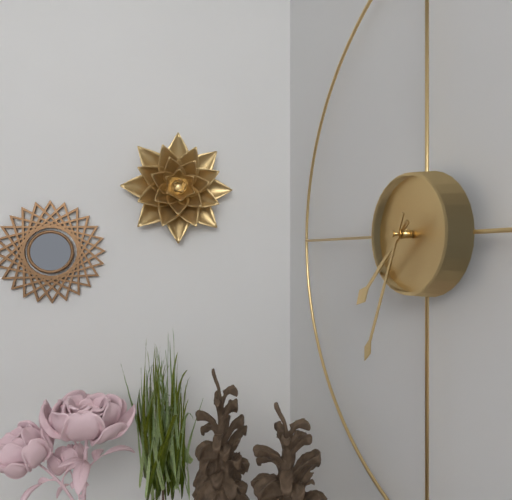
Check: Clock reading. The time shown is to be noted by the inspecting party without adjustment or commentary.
7:34
